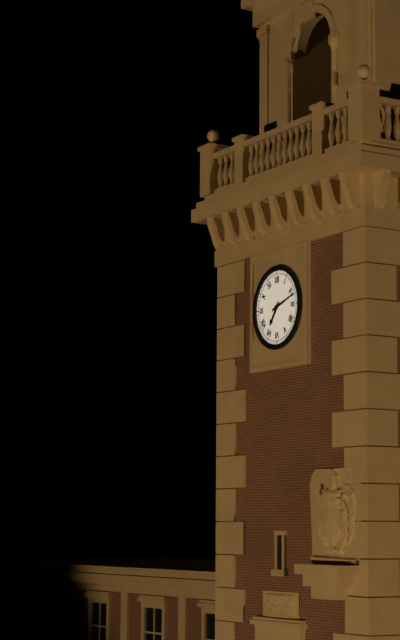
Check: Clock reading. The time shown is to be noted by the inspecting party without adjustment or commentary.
7:12
